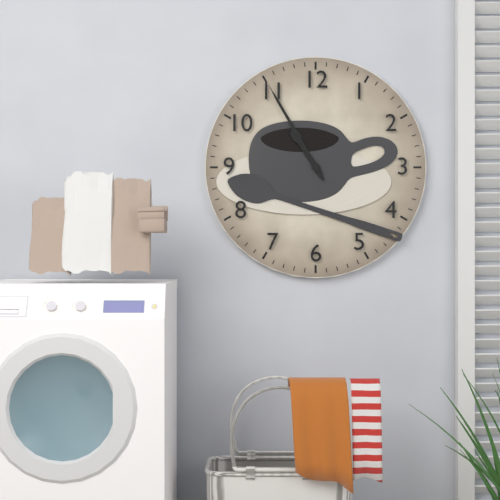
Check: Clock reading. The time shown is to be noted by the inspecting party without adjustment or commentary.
10:55
